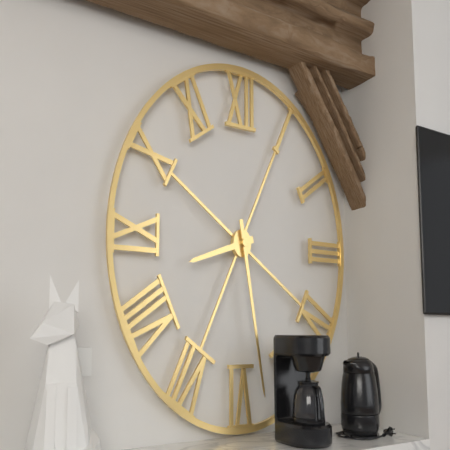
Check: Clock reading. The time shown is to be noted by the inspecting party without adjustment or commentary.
8:28
